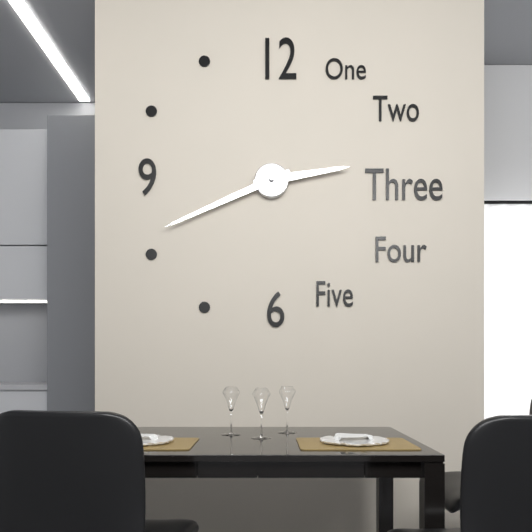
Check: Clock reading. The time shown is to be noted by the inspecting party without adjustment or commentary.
2:41
